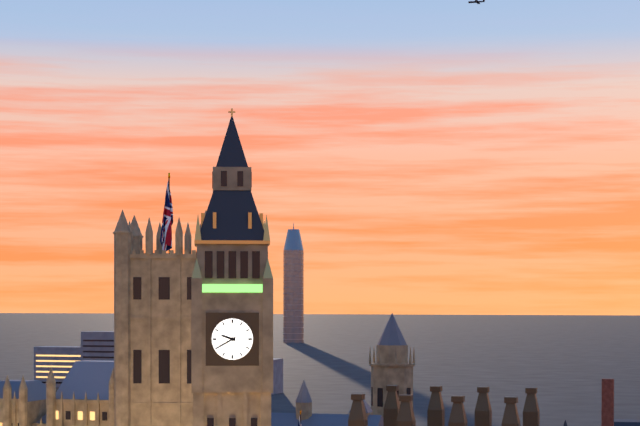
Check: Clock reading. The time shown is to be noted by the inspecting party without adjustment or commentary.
9:40
